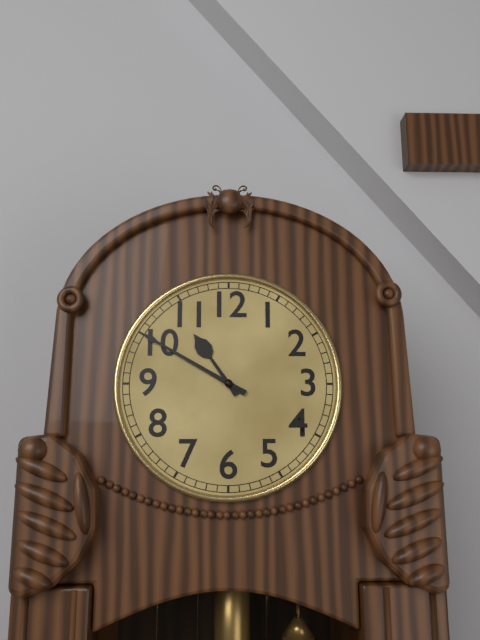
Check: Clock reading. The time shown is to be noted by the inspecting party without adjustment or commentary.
10:50
